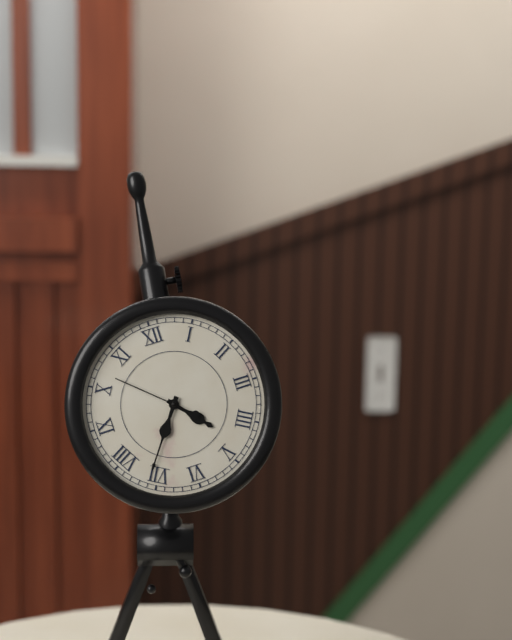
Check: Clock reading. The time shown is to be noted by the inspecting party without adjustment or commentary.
4:36:52
